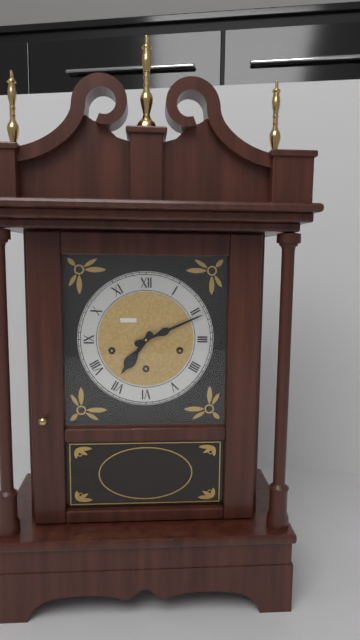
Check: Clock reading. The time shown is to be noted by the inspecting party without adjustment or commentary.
7:11
